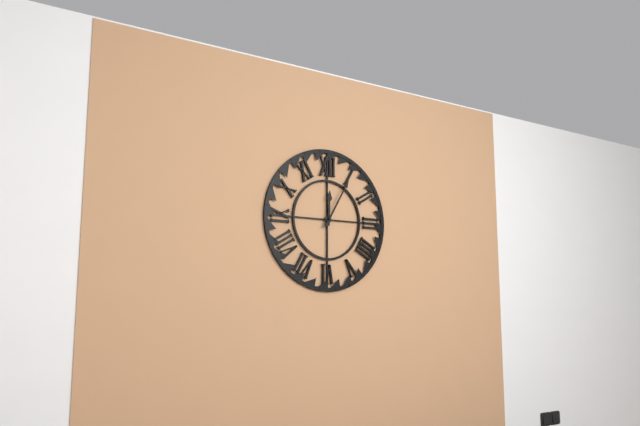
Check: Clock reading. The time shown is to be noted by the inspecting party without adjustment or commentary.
12:05
